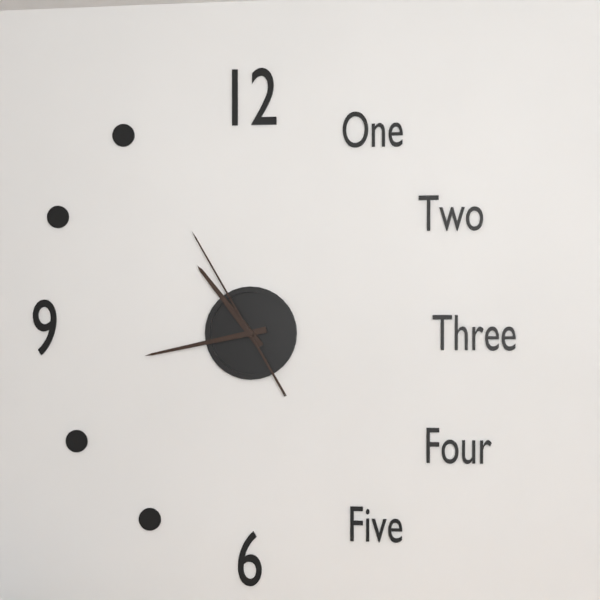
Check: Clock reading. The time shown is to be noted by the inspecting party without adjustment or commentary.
10:43:55
